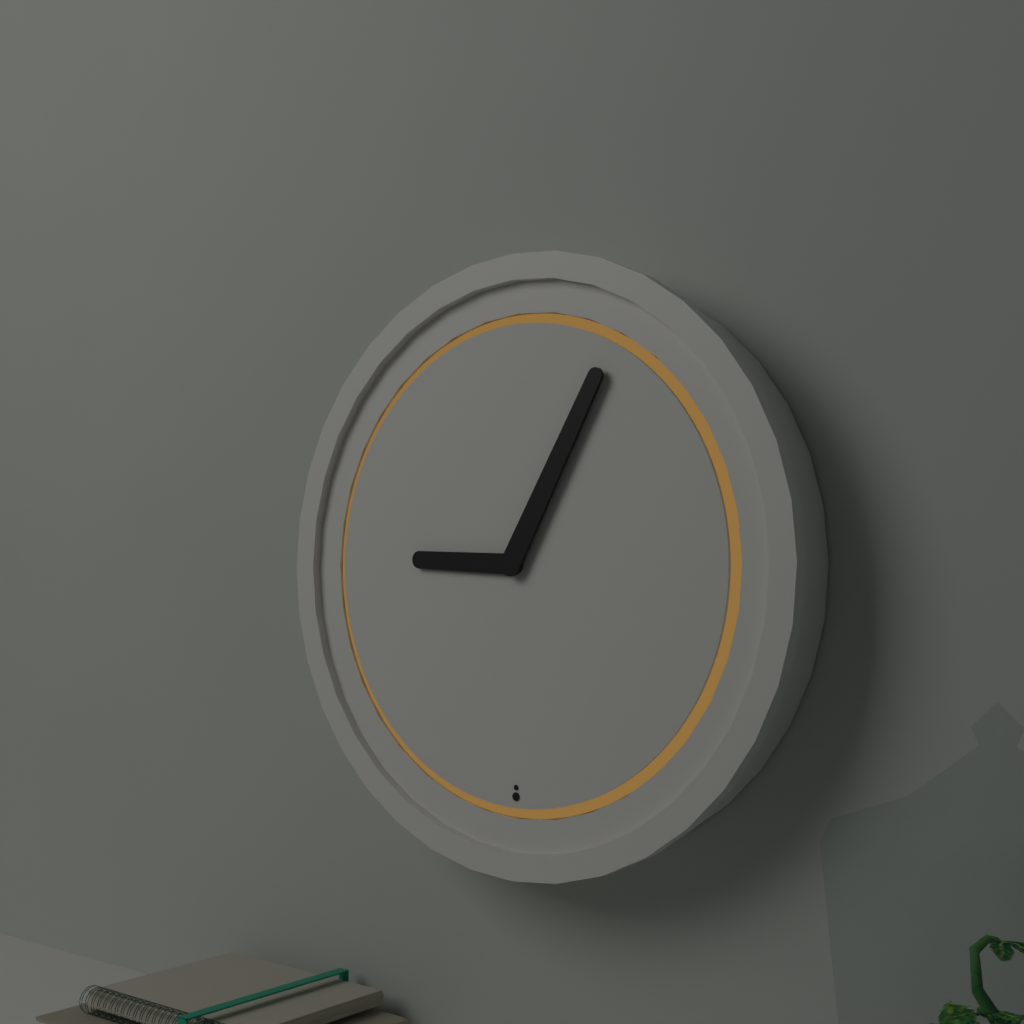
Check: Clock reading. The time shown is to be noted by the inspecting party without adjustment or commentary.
9:05
